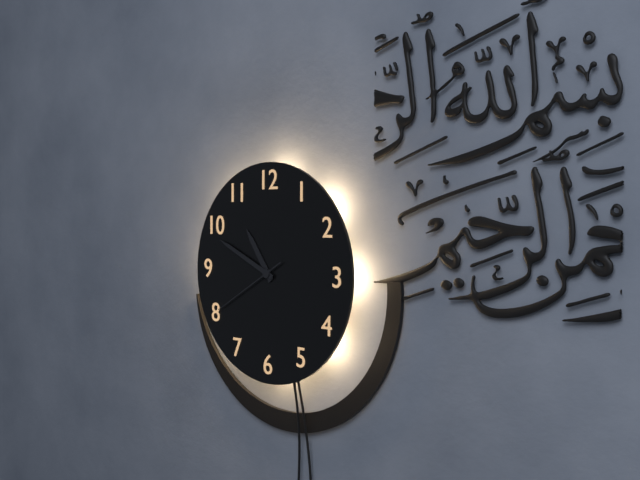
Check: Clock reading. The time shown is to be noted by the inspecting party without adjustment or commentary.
10:49:40
